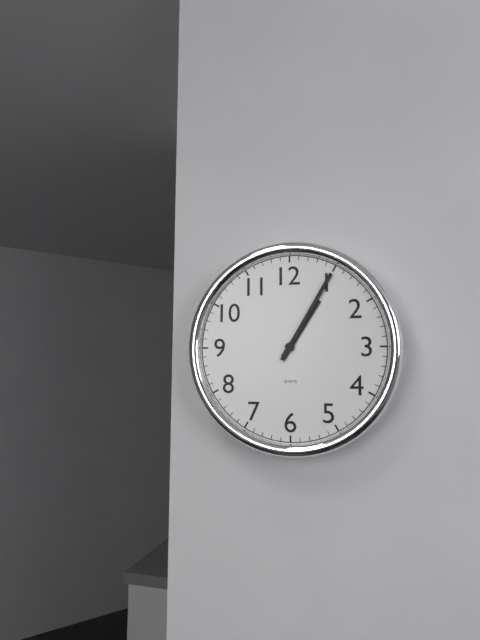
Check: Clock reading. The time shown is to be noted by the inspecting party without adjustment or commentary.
1:05
